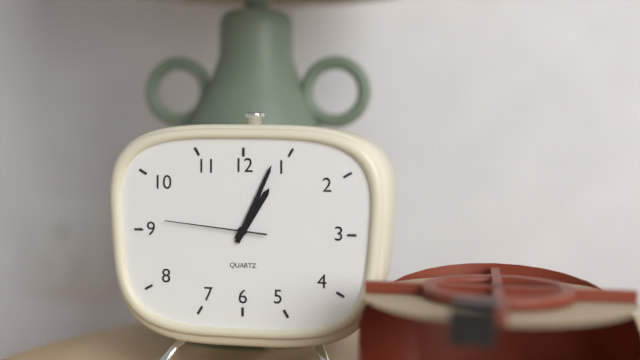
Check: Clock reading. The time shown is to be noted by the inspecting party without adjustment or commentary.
1:04:46
